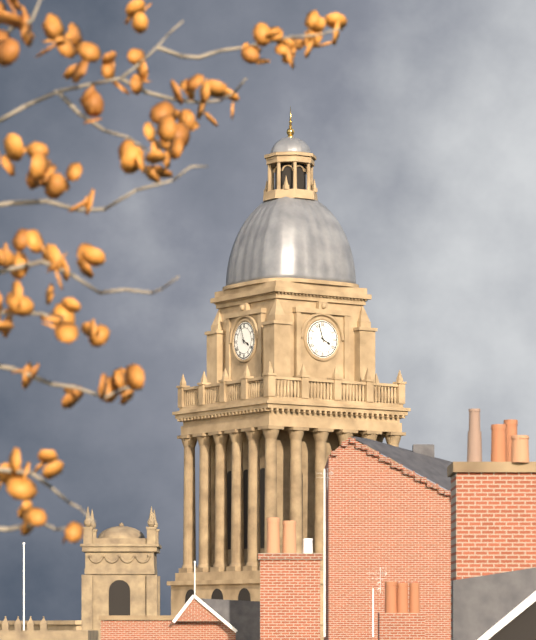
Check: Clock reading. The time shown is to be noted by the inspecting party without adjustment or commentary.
3:57
